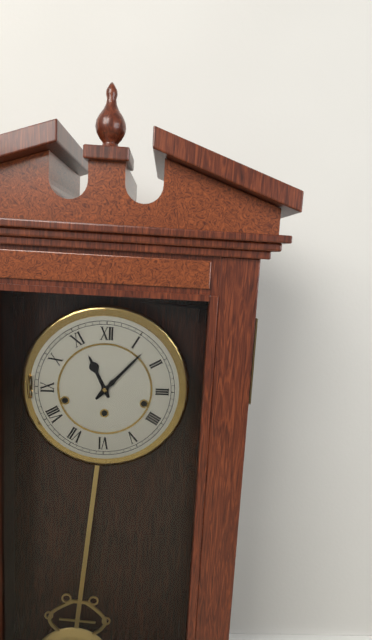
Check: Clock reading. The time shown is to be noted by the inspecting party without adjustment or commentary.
11:07
